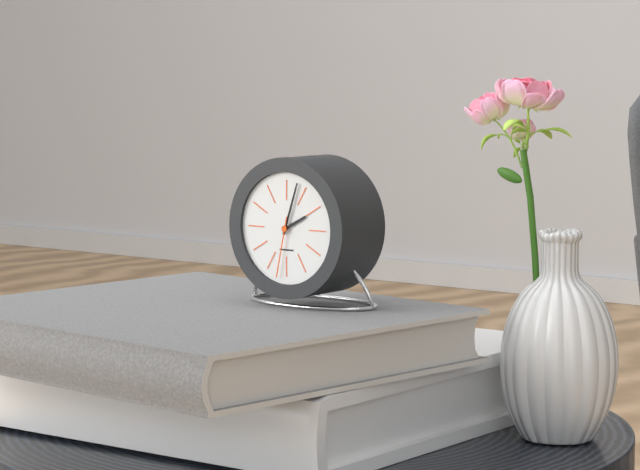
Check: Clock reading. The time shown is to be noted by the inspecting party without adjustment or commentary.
2:03:32
